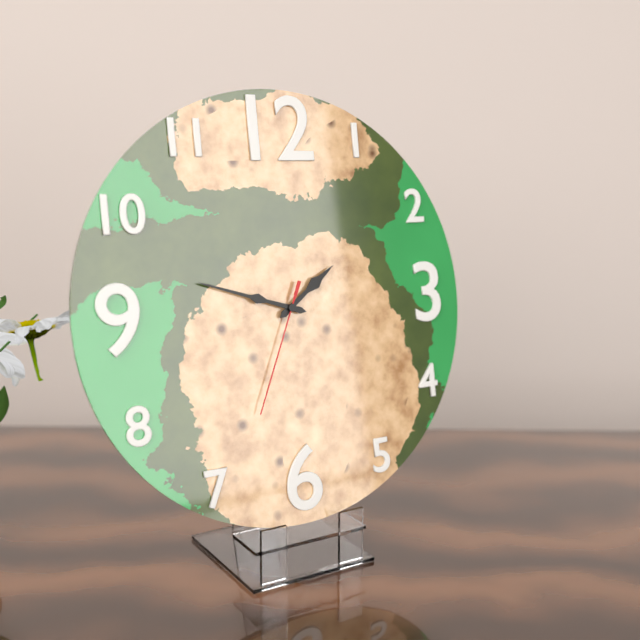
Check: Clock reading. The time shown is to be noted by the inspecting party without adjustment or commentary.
1:48:34
